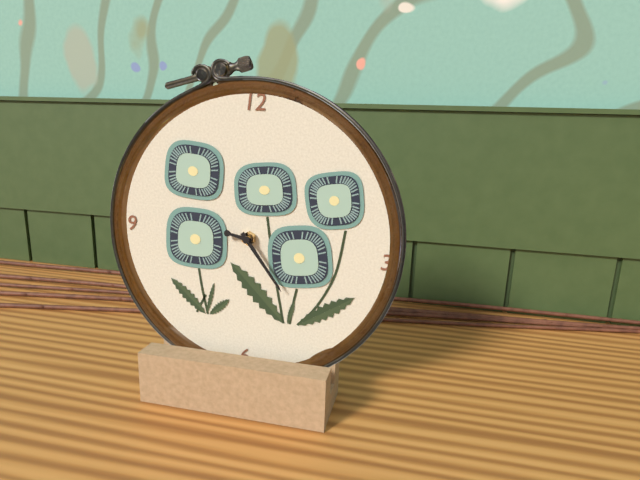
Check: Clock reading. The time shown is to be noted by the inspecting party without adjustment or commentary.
9:24
